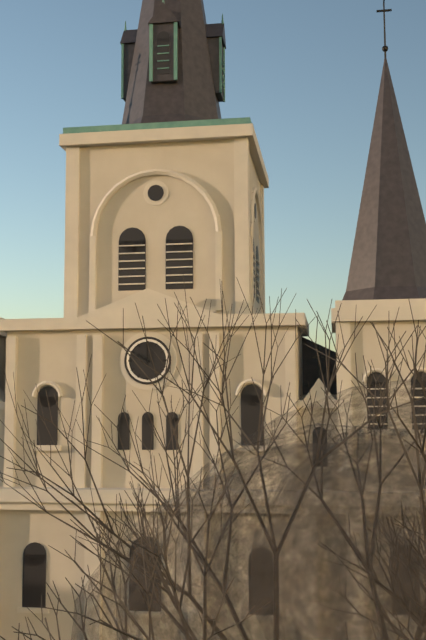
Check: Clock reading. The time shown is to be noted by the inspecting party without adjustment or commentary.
10:00
